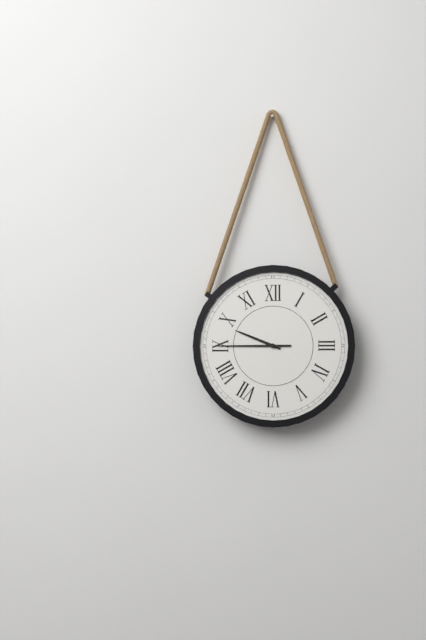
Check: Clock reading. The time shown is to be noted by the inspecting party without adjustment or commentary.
9:45
